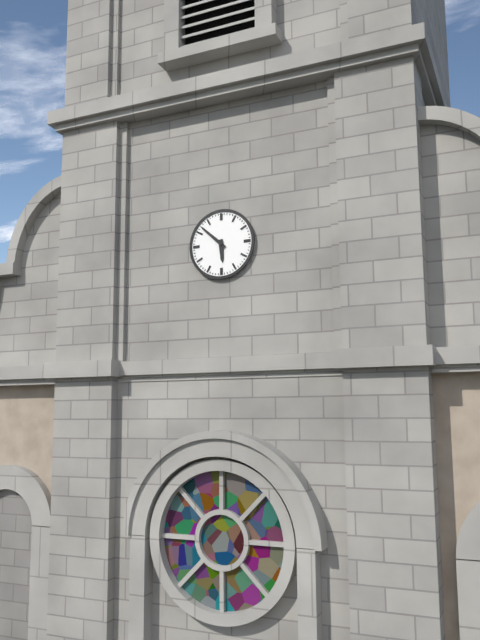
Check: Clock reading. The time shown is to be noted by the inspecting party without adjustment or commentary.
5:52
